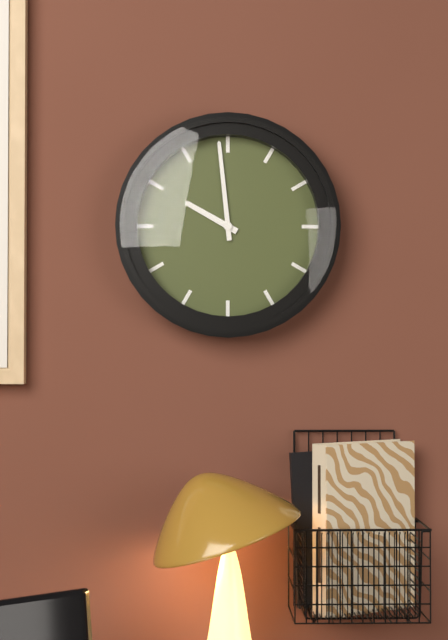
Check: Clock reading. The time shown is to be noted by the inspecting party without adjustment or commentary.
9:59
